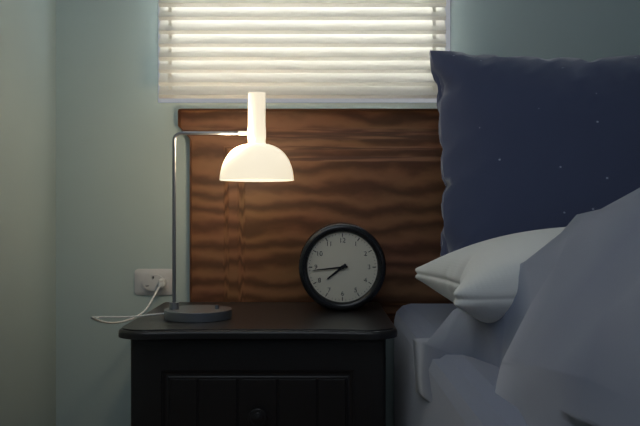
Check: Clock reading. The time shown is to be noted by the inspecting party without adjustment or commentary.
7:44
